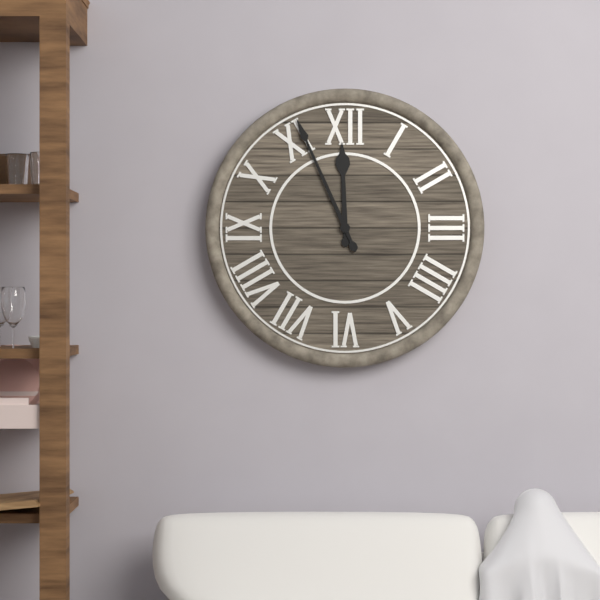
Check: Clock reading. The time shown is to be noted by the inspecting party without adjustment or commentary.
11:56
